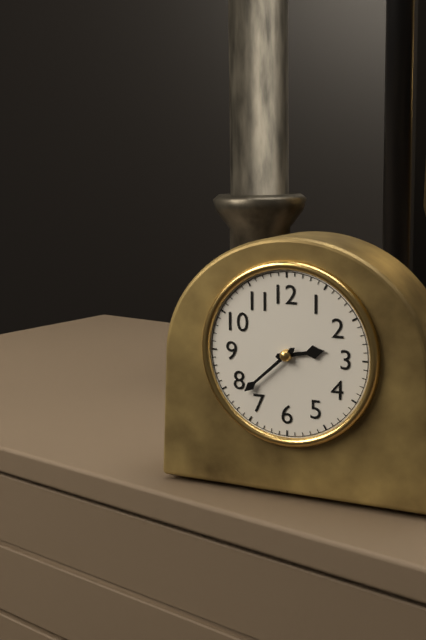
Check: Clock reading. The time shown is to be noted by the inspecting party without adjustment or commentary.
2:38
